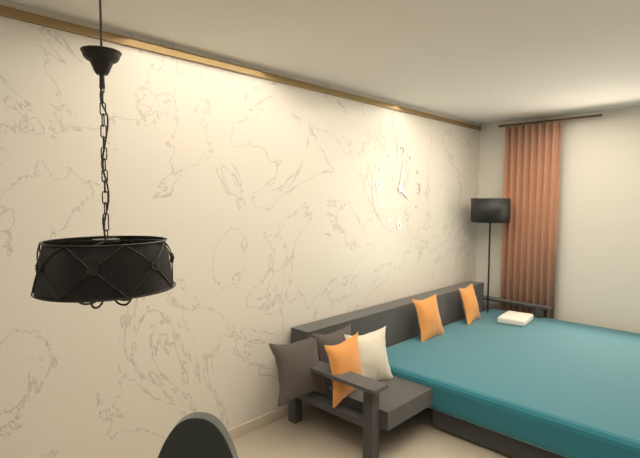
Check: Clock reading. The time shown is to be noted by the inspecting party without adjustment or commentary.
4:02
